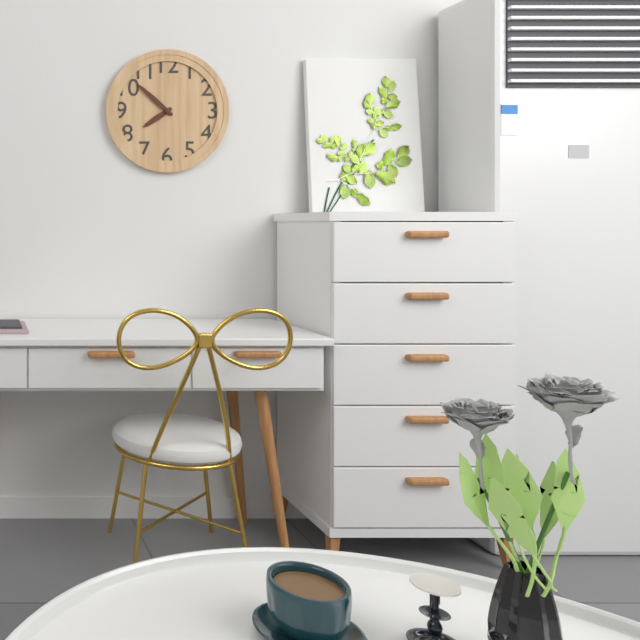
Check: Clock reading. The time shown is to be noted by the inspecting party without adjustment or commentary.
7:52
